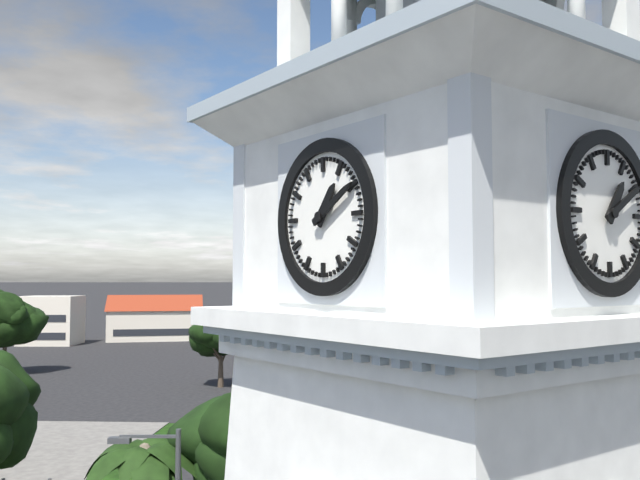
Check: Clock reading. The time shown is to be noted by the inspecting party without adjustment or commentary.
1:10
